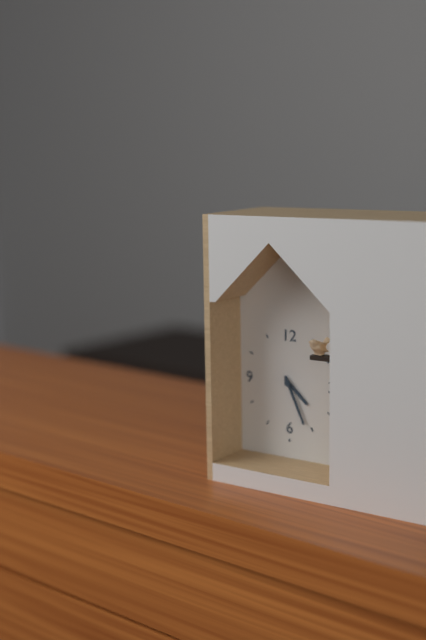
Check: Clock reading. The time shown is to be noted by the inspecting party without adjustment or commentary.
4:26
